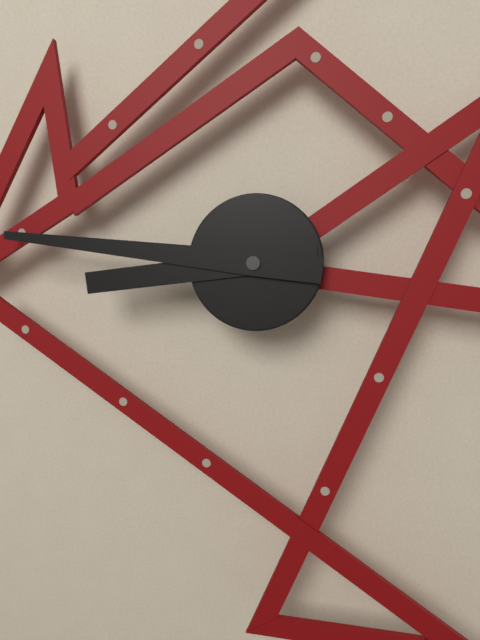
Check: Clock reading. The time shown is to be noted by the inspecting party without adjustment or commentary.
8:46
